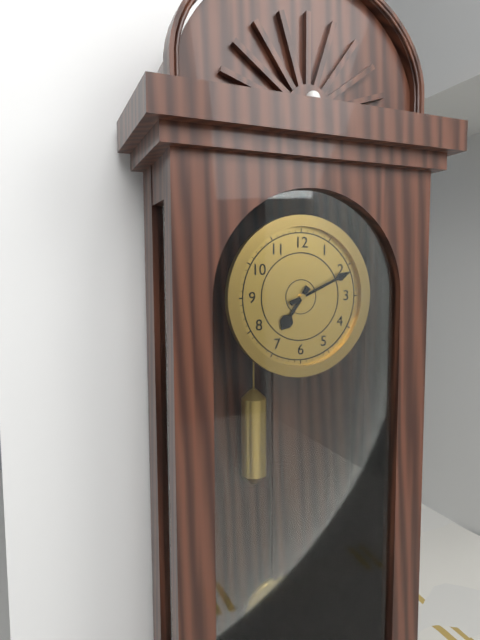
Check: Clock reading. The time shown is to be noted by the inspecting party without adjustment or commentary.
7:11
